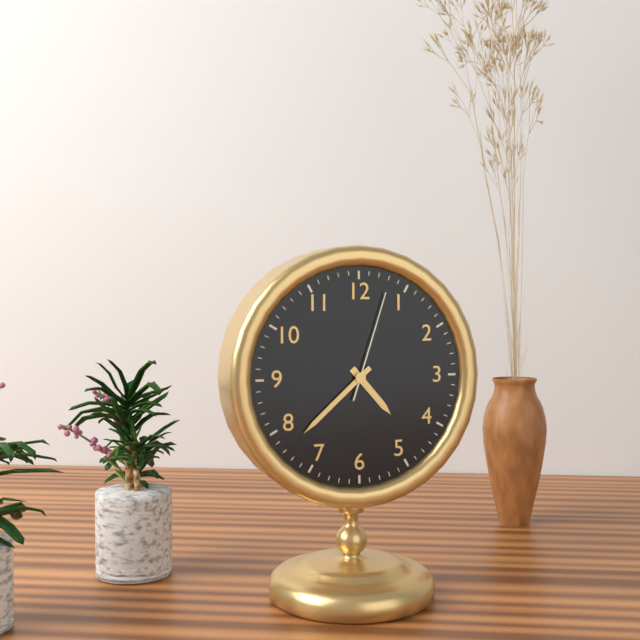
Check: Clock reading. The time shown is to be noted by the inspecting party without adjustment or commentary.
4:38:03
